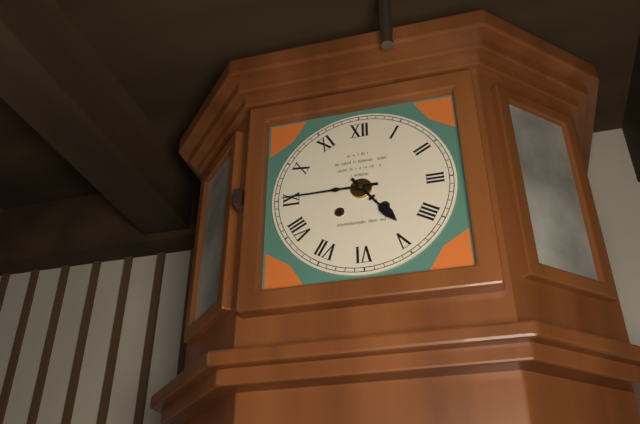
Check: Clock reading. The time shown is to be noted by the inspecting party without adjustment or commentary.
4:45
